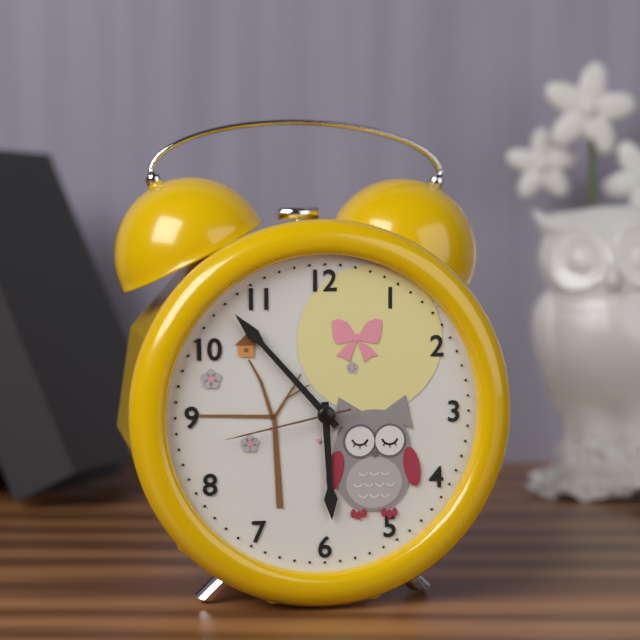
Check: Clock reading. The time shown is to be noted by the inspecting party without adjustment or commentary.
5:53:43
